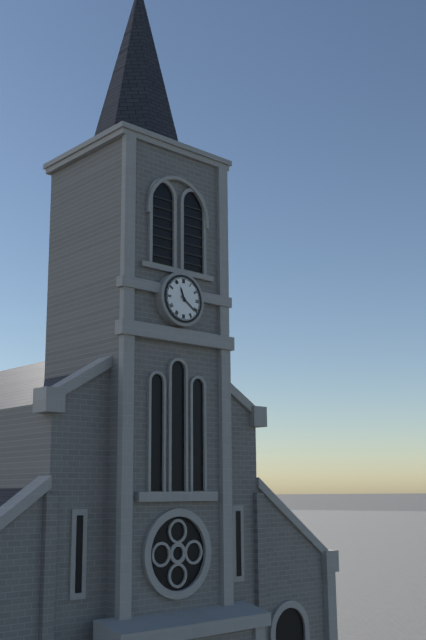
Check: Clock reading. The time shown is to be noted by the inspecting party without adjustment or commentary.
11:21
